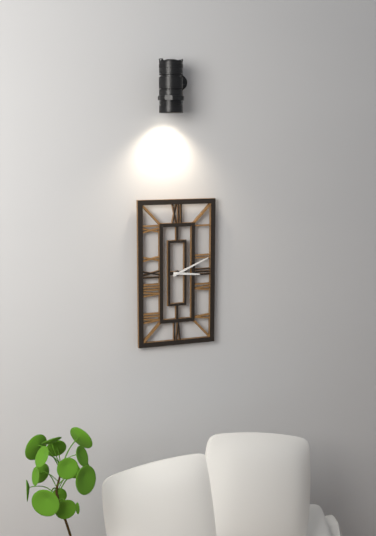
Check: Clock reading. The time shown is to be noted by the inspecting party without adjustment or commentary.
3:11
